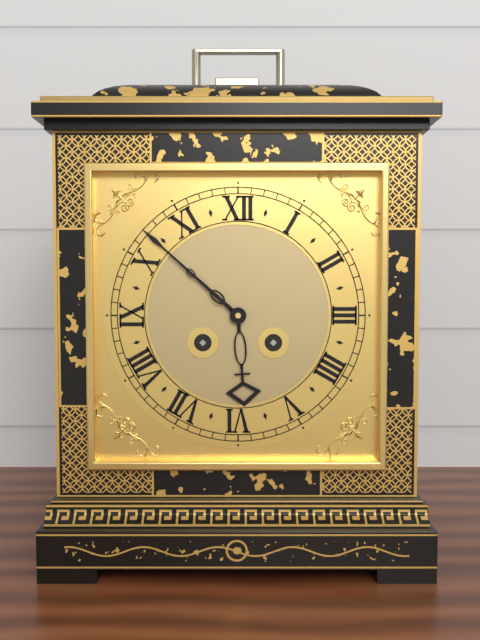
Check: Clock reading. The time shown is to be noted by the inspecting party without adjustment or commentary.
5:52
